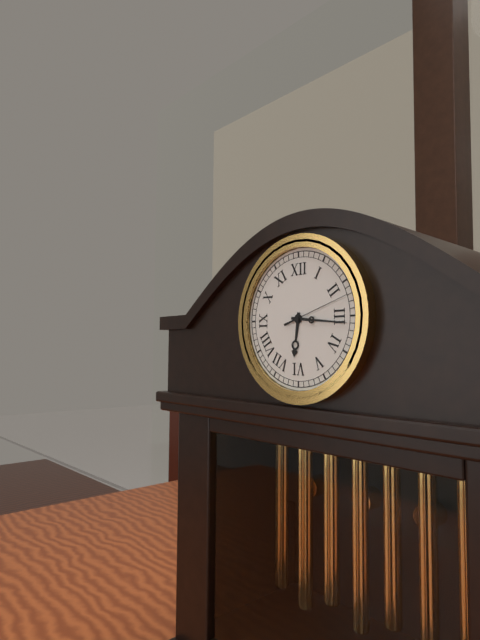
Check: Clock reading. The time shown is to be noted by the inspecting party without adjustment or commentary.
6:16:12
